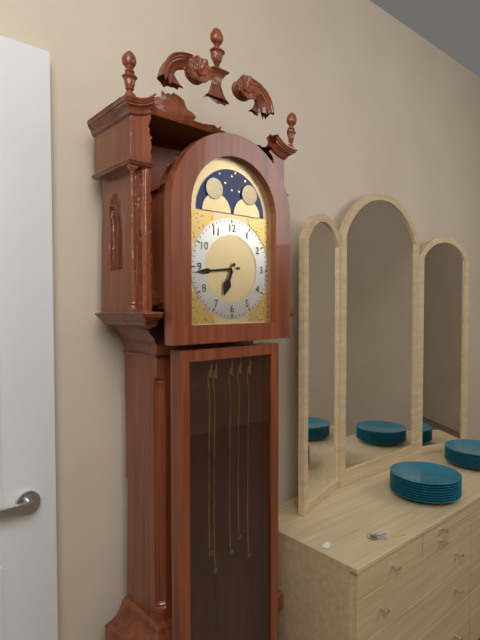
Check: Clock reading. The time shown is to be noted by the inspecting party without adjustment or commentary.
6:44
